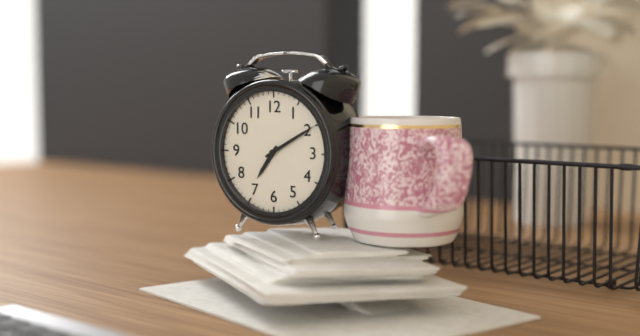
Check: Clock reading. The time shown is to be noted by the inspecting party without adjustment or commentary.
7:10
